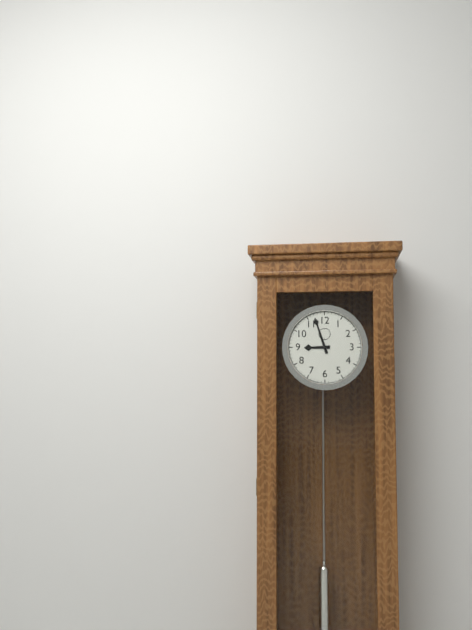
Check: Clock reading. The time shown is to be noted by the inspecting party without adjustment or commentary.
8:57
